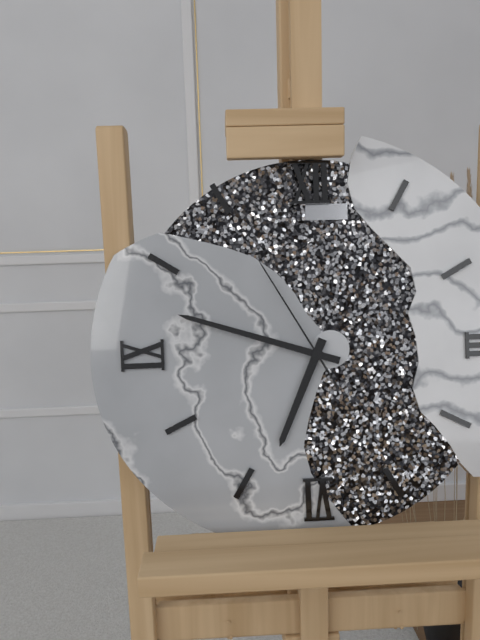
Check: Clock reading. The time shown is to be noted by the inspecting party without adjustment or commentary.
6:48:55
